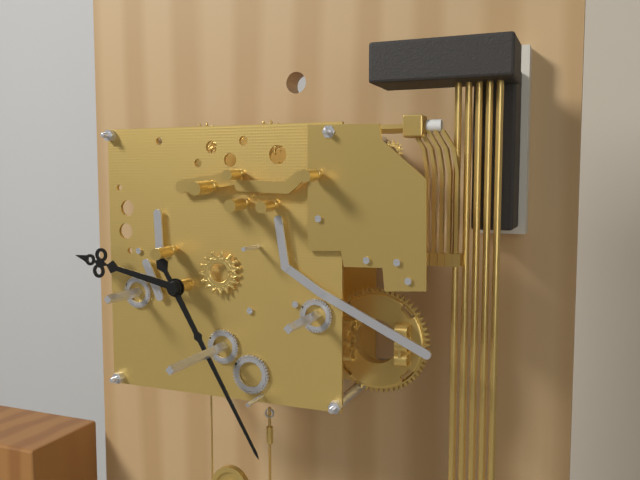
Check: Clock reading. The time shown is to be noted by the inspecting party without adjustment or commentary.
9:25
